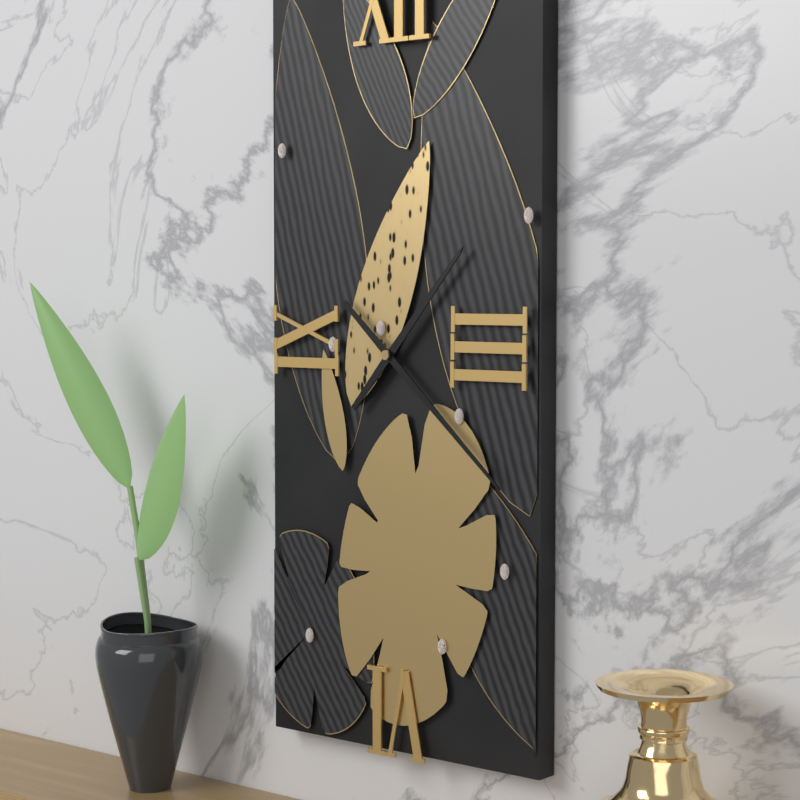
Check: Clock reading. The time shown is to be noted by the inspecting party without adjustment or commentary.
1:22
